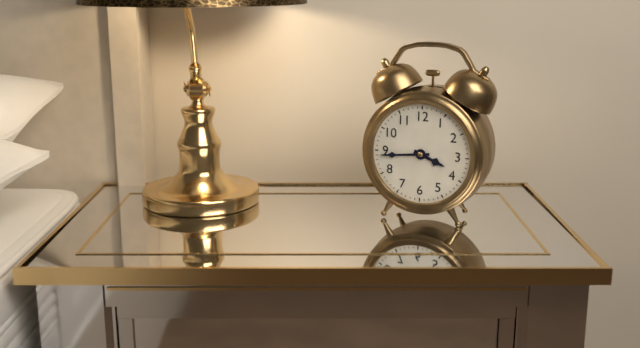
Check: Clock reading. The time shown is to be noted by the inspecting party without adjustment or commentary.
3:44
